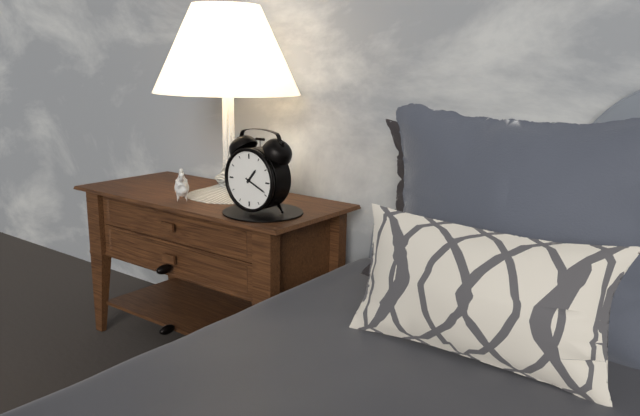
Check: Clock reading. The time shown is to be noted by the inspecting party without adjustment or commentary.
1:19
